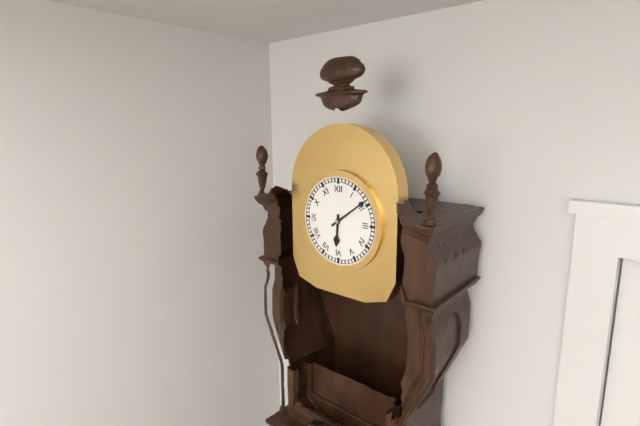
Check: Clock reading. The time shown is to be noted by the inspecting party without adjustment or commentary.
6:09
